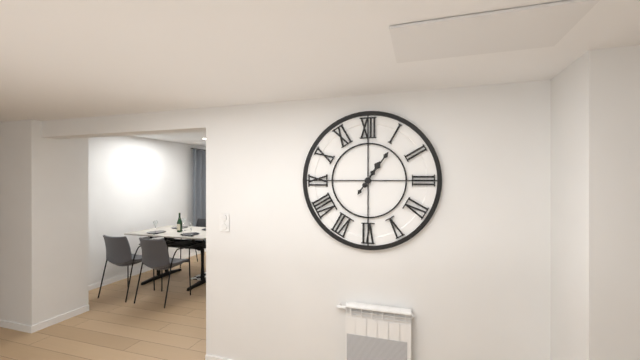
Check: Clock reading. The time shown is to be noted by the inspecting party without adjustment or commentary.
1:06
